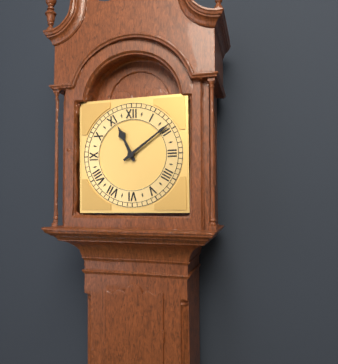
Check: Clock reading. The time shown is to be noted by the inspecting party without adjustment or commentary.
11:09
